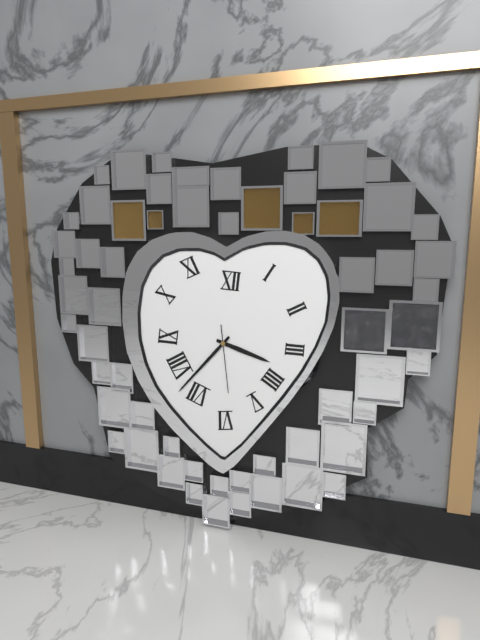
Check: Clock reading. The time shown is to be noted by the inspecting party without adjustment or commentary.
3:37:29
